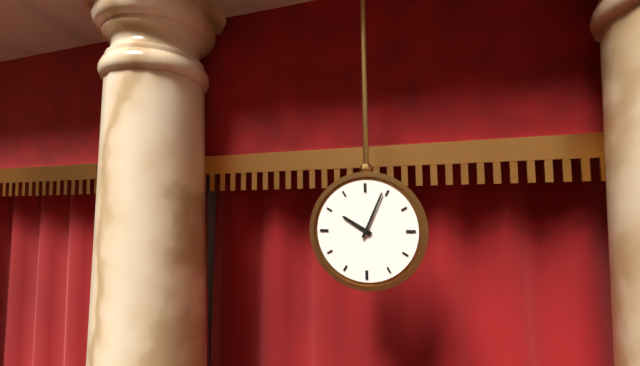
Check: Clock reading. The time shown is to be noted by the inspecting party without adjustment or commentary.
10:04
